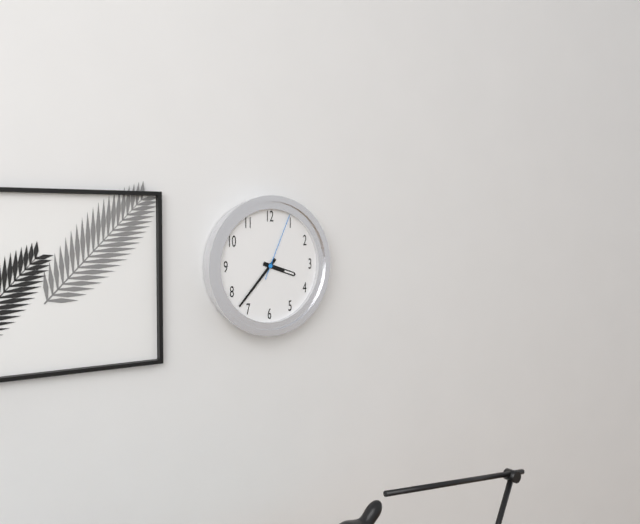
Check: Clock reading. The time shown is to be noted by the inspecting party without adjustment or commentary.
3:37:04
